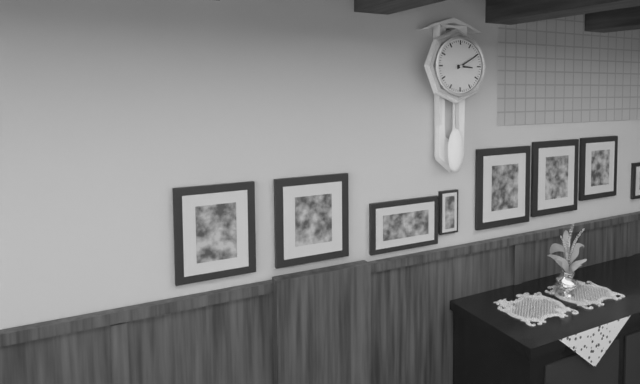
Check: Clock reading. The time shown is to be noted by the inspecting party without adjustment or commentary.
3:10
